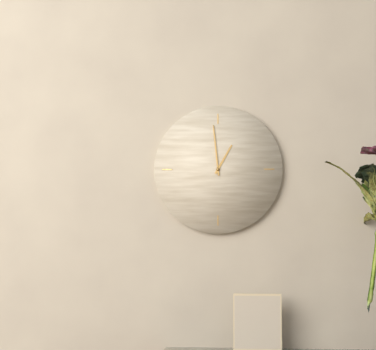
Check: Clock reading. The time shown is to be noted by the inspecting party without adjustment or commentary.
12:59
